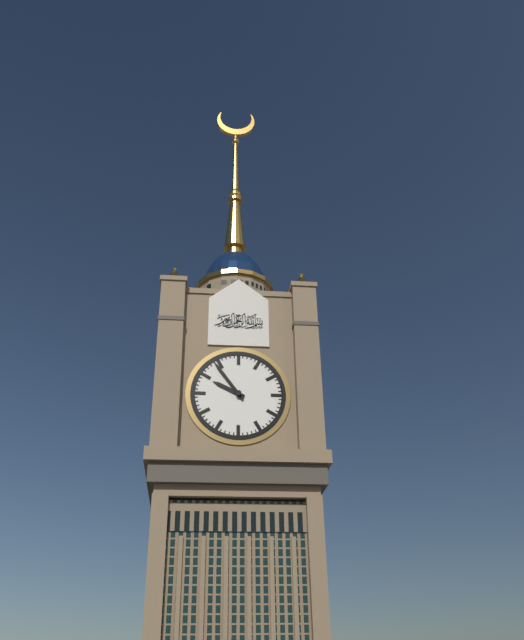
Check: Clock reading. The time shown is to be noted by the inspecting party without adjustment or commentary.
9:54
